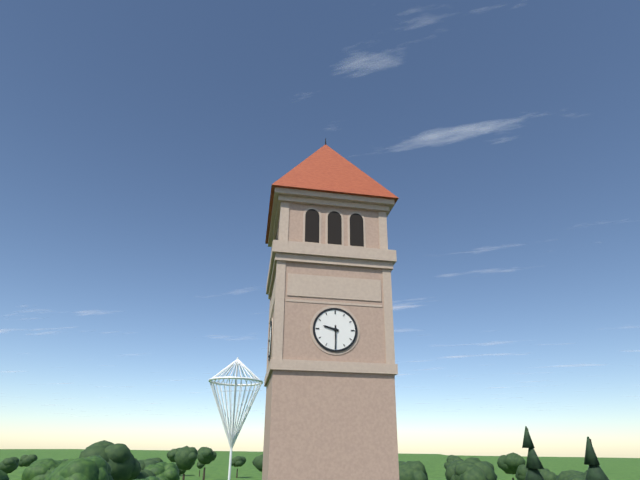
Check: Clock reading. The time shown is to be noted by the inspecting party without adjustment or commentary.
9:30
